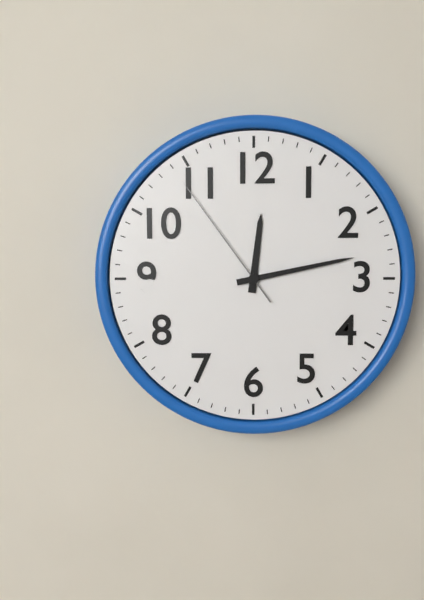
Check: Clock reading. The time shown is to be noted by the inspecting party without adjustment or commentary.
12:13:54
